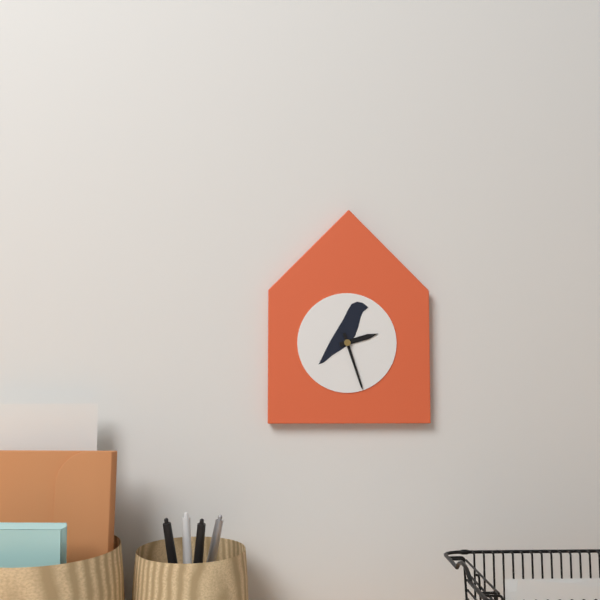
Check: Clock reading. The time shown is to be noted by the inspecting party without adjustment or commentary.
2:27
